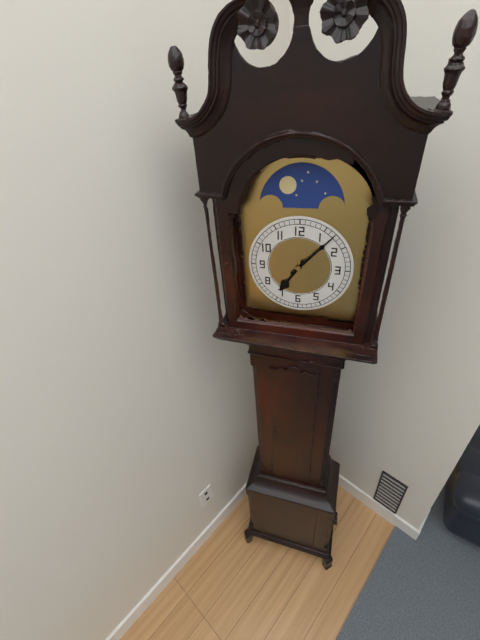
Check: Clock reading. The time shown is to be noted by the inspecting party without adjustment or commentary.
7:07
